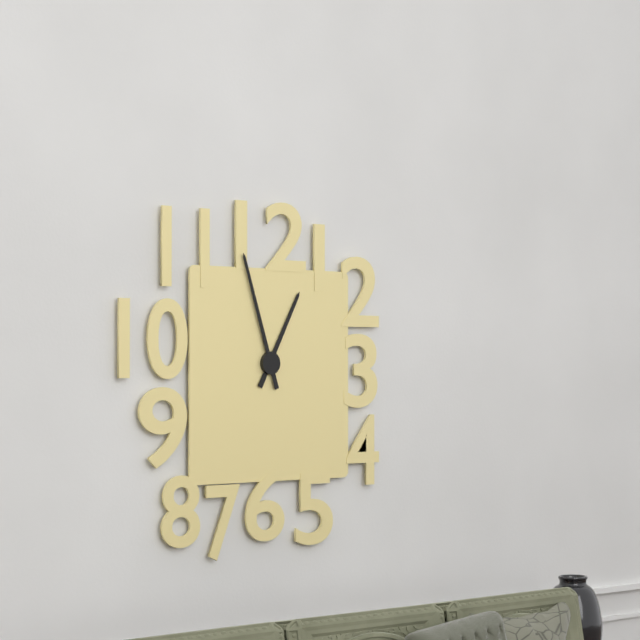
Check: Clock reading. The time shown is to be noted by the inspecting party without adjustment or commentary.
12:57
